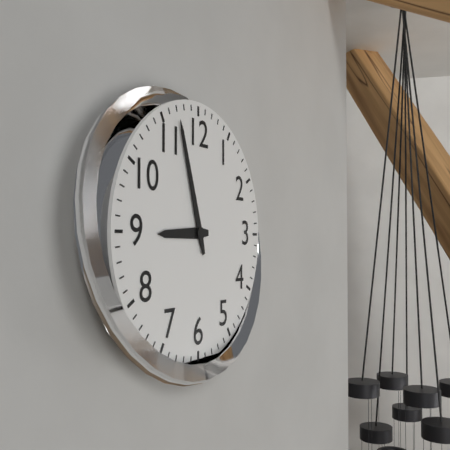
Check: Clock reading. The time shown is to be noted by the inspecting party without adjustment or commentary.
8:57
